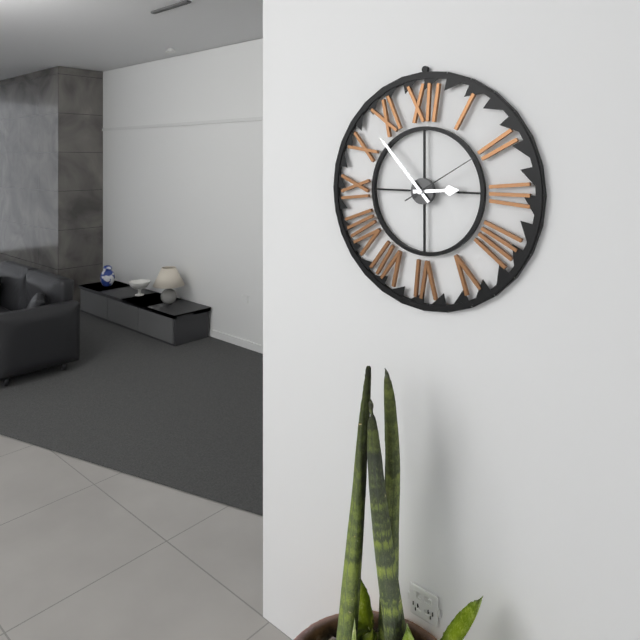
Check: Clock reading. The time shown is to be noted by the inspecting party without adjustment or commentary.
2:53:10
